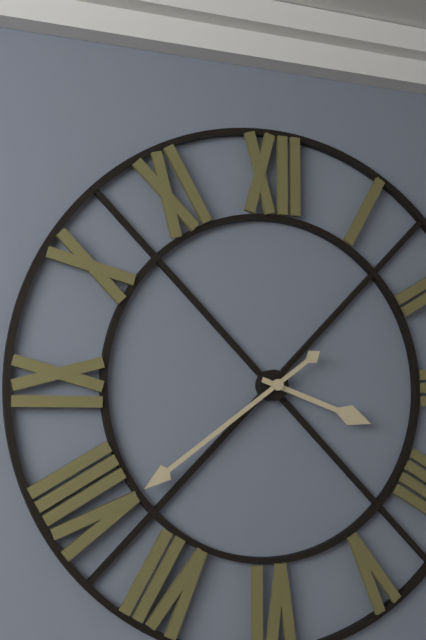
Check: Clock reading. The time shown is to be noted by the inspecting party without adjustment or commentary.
3:39
